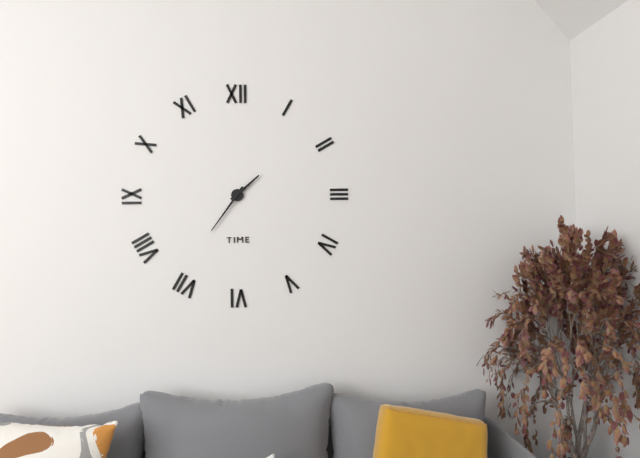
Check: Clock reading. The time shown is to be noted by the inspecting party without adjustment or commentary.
1:36
